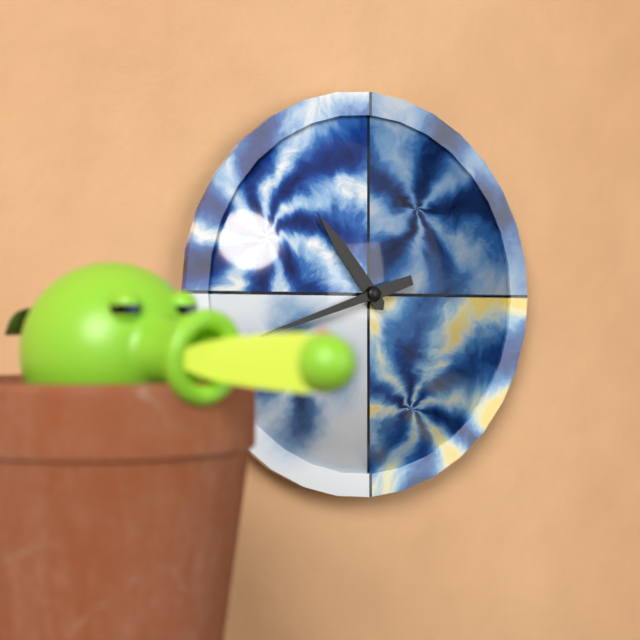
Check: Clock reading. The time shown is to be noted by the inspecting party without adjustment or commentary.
10:42
